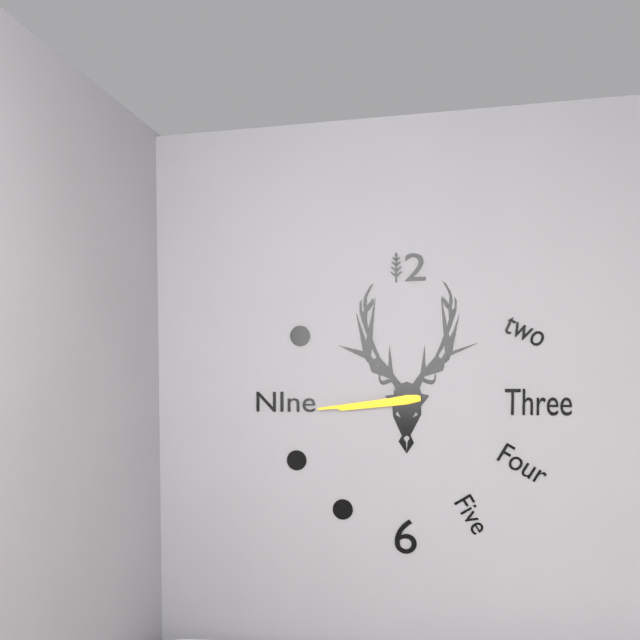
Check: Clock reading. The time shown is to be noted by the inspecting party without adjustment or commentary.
8:44
